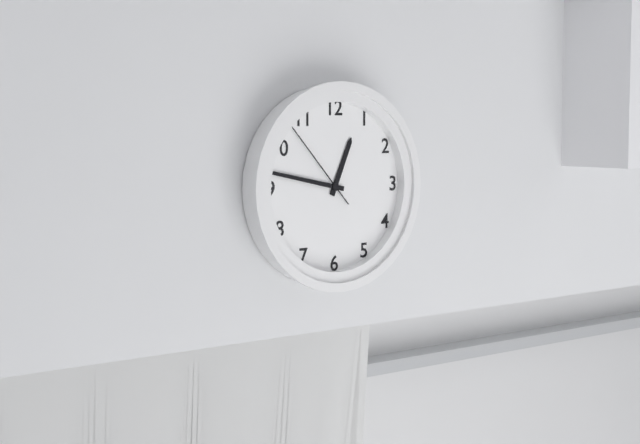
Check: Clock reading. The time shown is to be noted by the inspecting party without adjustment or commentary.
12:47:53
